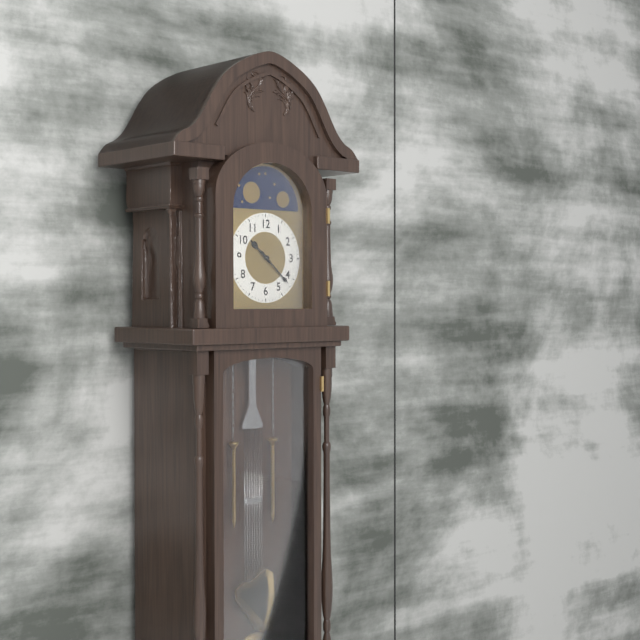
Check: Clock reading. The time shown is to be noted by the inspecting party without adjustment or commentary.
10:22
